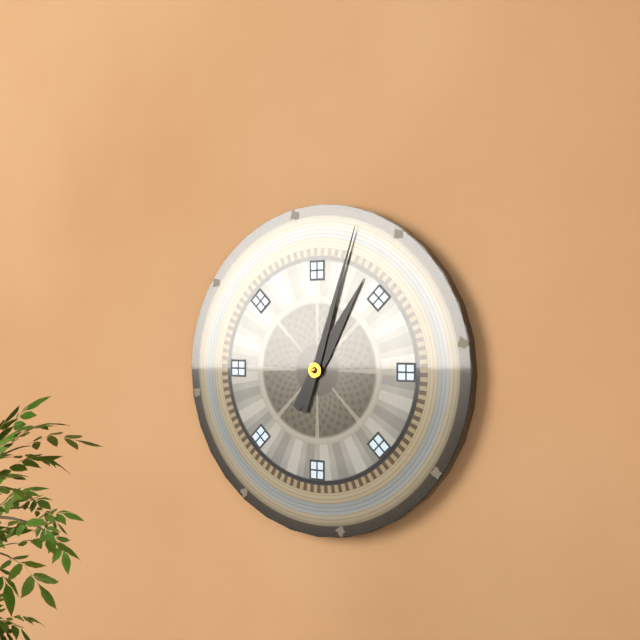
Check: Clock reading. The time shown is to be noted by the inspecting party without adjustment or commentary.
1:03
